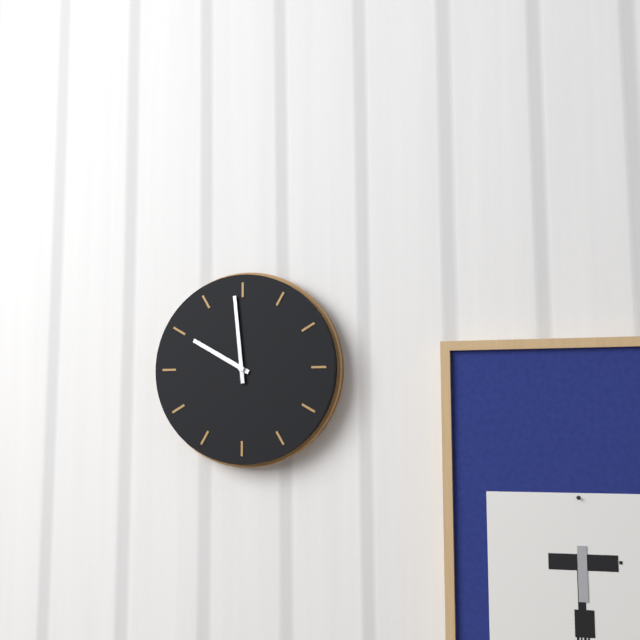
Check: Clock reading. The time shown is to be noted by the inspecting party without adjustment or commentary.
9:59
